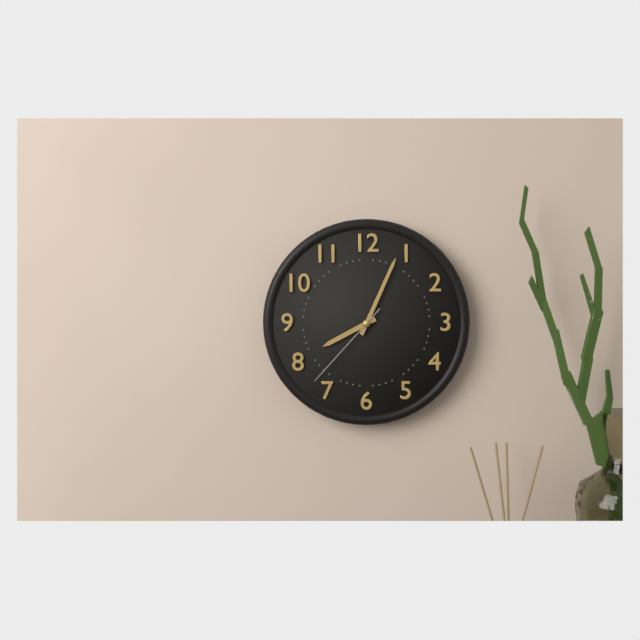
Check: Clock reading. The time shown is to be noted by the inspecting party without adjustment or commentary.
8:04:37
